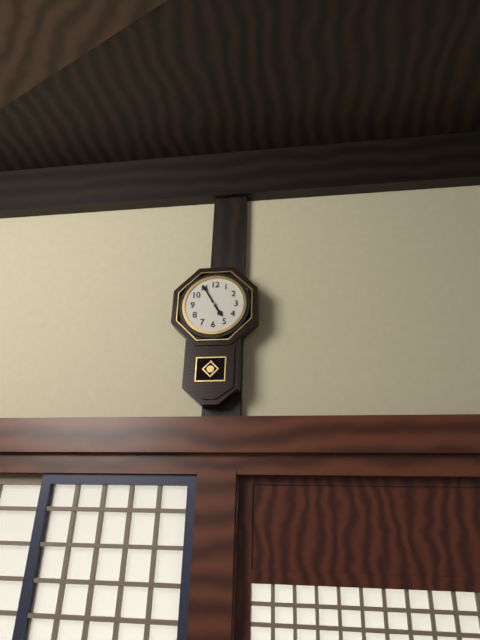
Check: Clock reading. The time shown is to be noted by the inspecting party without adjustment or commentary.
4:55
